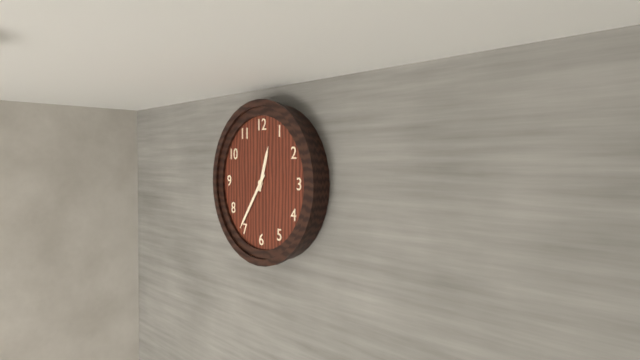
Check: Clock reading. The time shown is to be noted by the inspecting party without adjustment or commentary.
12:36
